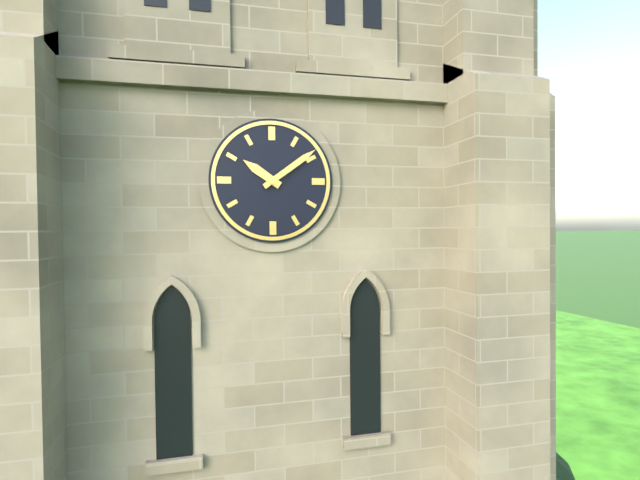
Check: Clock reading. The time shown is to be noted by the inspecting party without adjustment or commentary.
10:09
